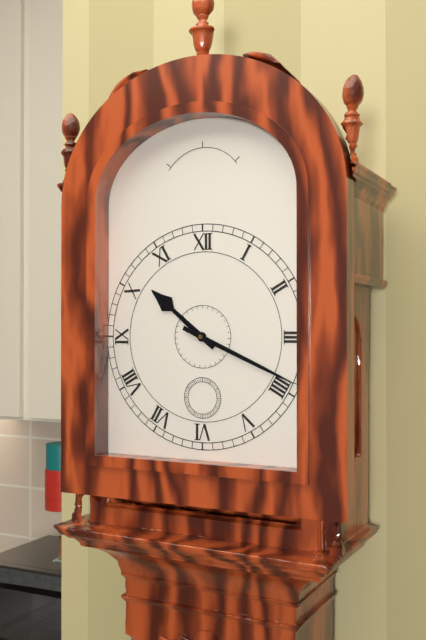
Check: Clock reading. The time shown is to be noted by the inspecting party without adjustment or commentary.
10:19
